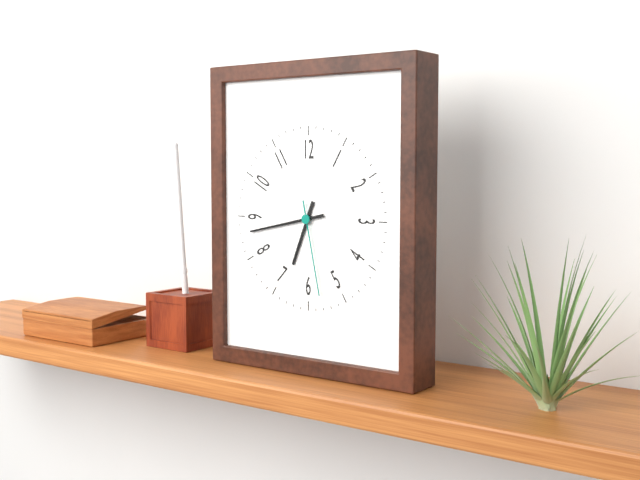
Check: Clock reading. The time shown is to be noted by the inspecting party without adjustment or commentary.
6:43:28
